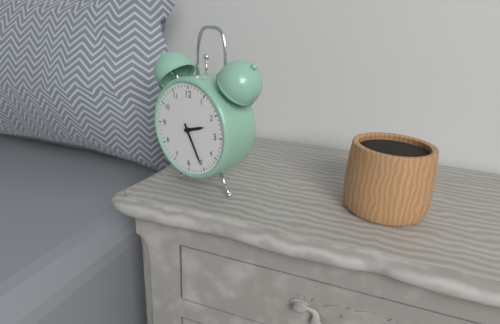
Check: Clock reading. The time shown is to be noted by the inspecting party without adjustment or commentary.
2:25
